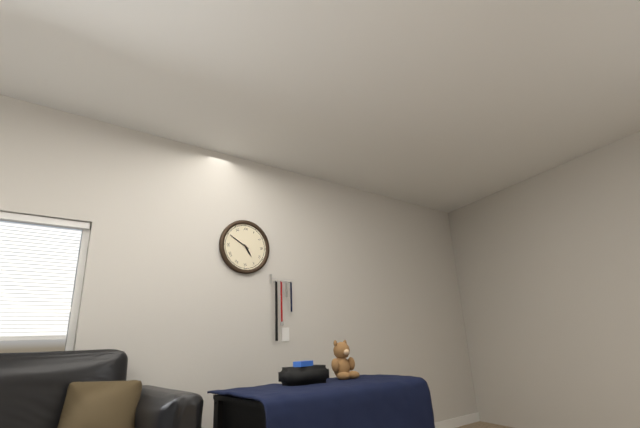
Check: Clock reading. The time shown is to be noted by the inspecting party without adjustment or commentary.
4:50
